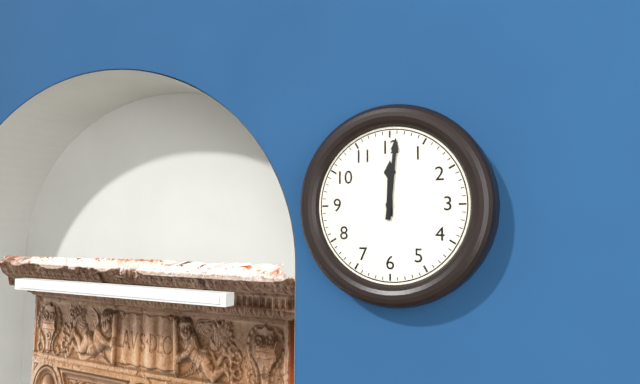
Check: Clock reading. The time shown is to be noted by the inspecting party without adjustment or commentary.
12:01
